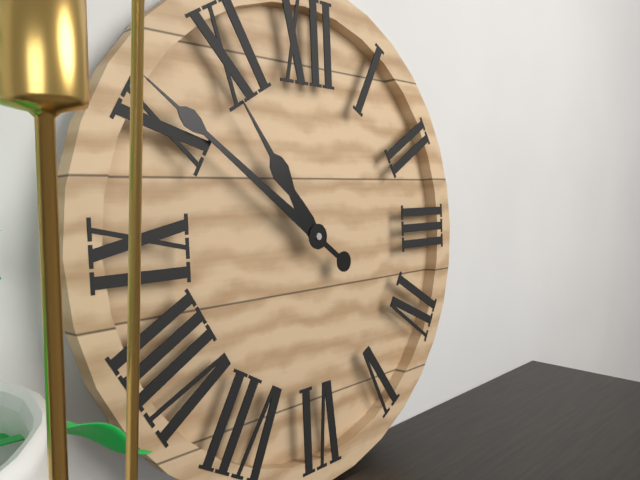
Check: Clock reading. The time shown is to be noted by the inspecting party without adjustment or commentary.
10:51
